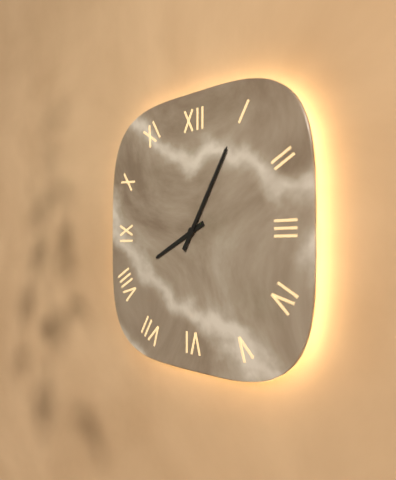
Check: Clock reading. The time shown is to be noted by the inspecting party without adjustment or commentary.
8:05
